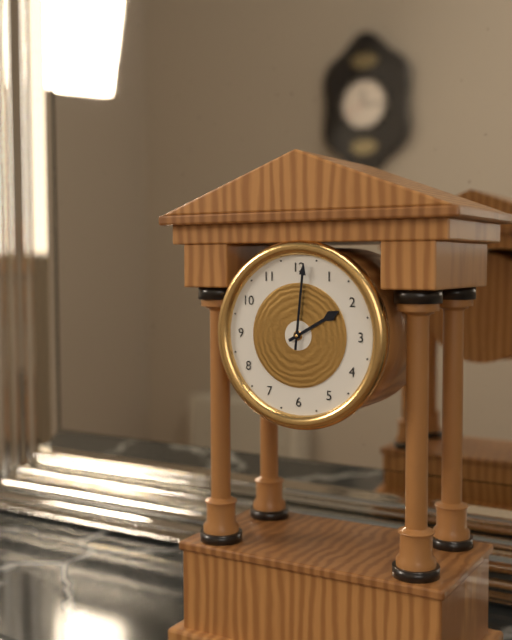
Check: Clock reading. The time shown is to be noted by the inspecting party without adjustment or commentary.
2:01
